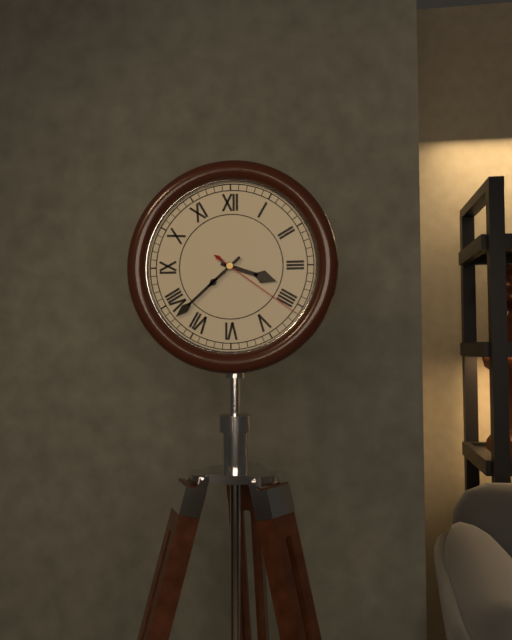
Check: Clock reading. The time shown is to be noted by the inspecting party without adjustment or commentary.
3:38:21
